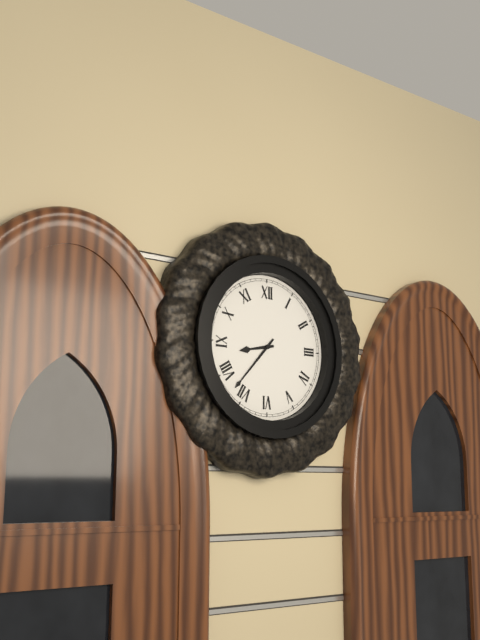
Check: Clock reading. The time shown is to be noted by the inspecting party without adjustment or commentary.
8:37
